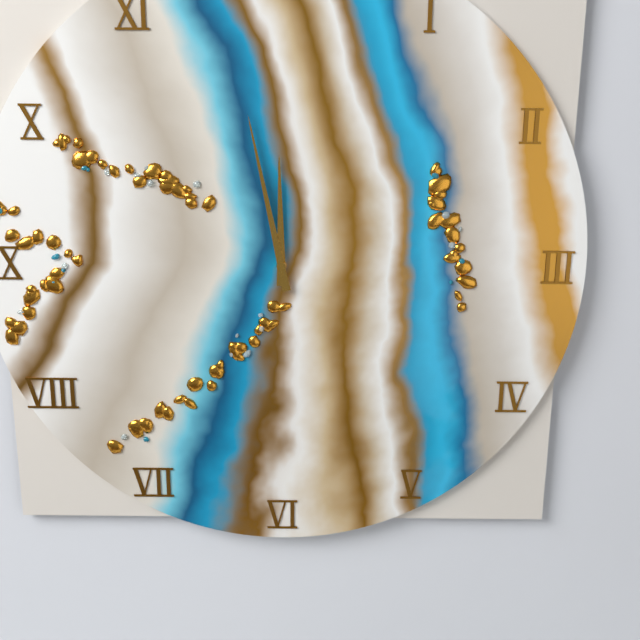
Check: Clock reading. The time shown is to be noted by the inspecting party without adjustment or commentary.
11:58
